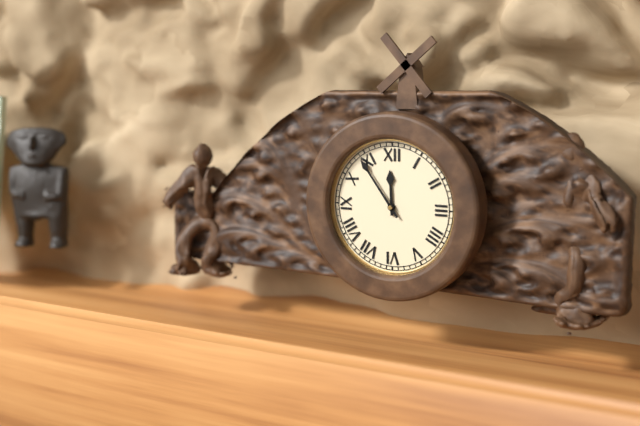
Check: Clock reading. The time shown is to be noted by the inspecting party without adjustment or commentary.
11:54
